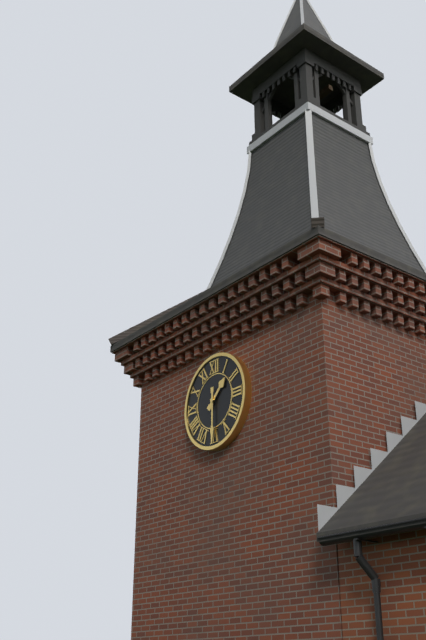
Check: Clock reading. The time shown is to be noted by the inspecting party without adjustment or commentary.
1:30
